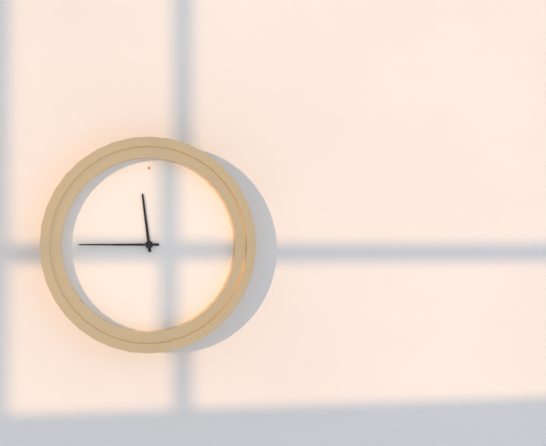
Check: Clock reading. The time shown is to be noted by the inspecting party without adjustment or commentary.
11:45
